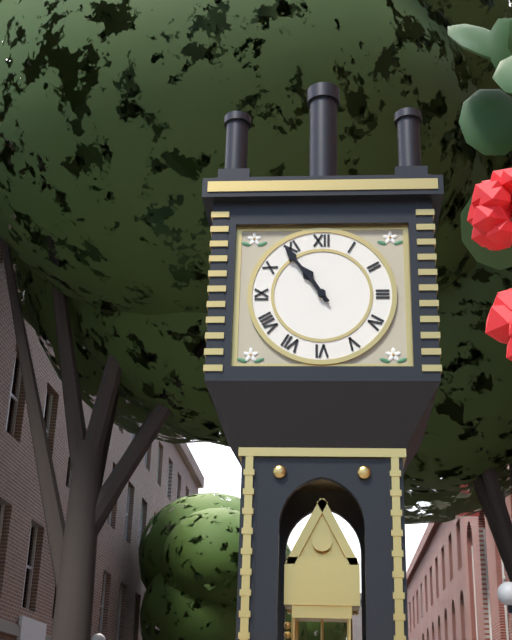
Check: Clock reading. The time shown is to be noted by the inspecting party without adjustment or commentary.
10:54
